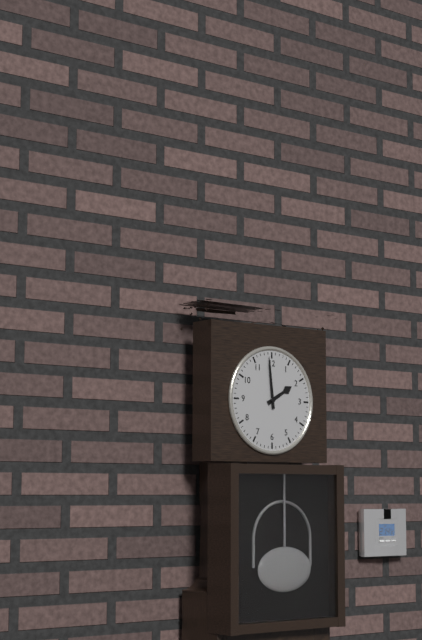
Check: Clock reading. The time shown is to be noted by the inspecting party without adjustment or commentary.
1:59
